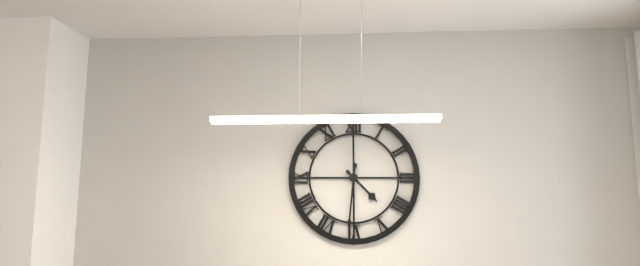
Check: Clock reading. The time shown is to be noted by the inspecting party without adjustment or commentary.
4:31
